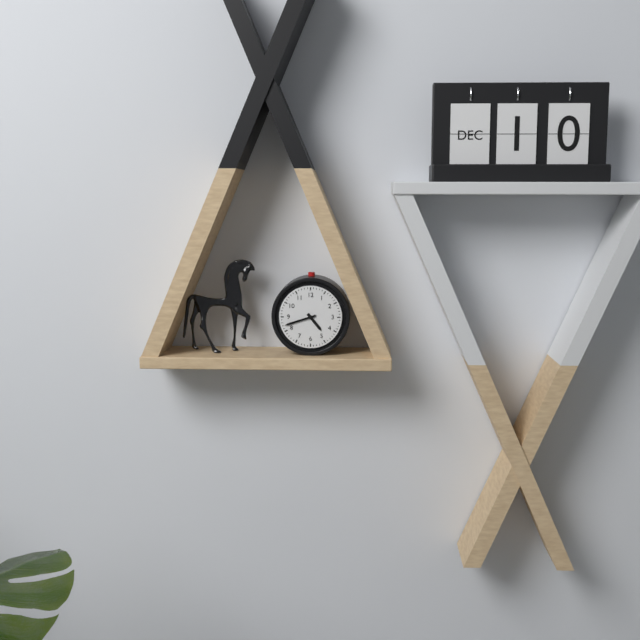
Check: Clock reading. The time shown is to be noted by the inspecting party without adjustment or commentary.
4:42
